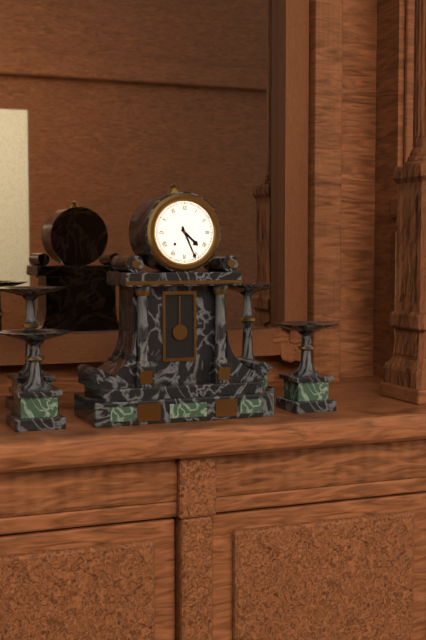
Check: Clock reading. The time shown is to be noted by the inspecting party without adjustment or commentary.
4:26
